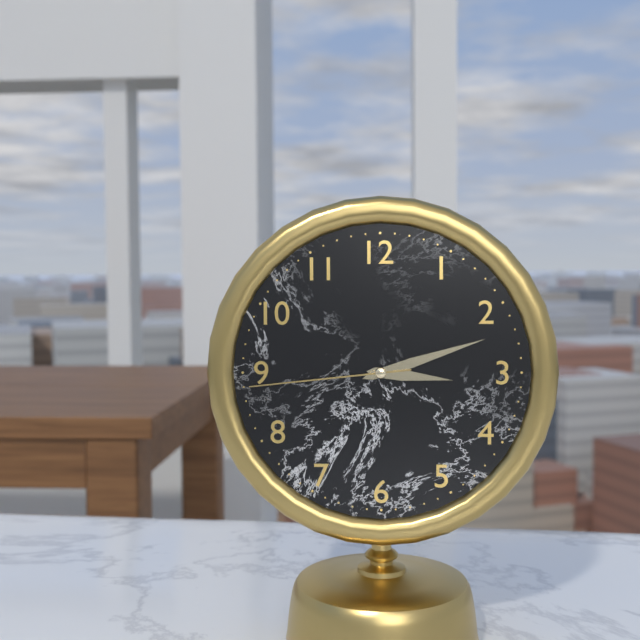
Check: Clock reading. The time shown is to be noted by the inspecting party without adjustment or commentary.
3:12:44
